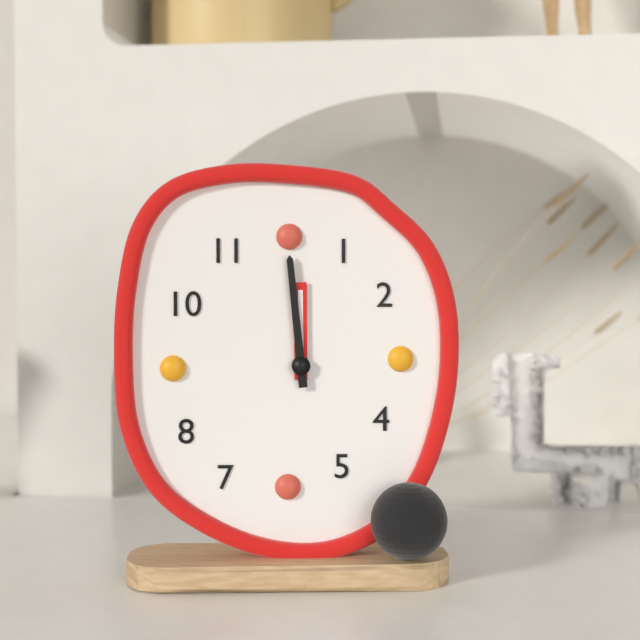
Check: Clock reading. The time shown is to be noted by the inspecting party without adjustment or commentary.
11:59
